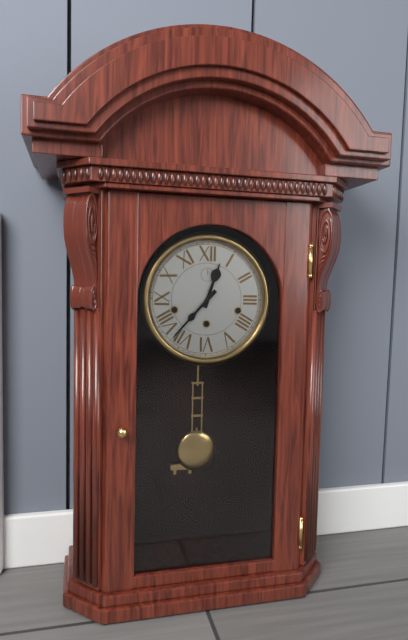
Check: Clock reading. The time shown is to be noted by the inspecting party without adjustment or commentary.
12:37
